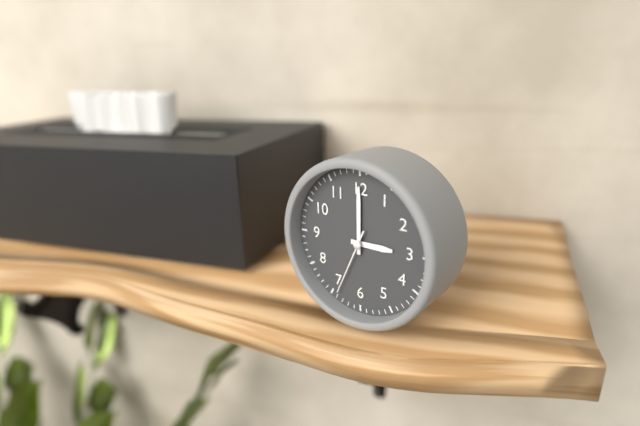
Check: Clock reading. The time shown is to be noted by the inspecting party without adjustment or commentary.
3:00:34
